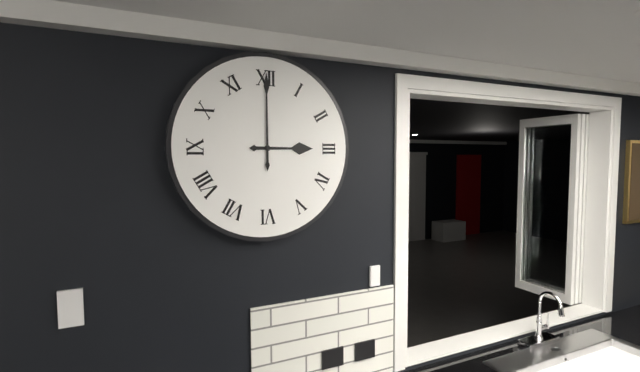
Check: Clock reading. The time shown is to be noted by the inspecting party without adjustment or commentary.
3:00
